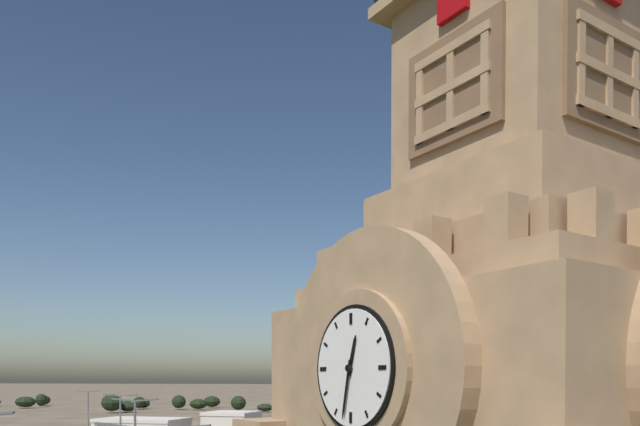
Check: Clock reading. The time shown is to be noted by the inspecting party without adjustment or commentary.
12:32
